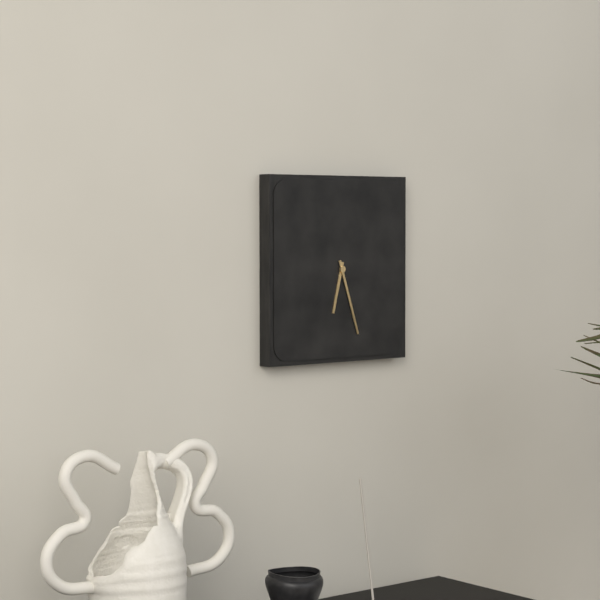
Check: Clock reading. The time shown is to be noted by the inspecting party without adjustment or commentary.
6:27
